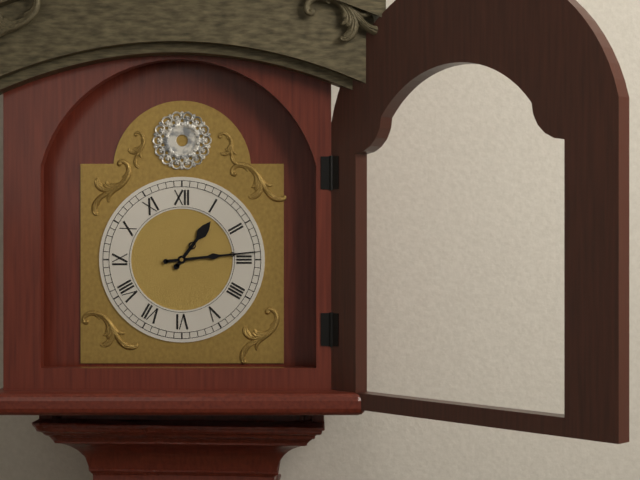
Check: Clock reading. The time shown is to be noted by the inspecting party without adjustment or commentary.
1:14
